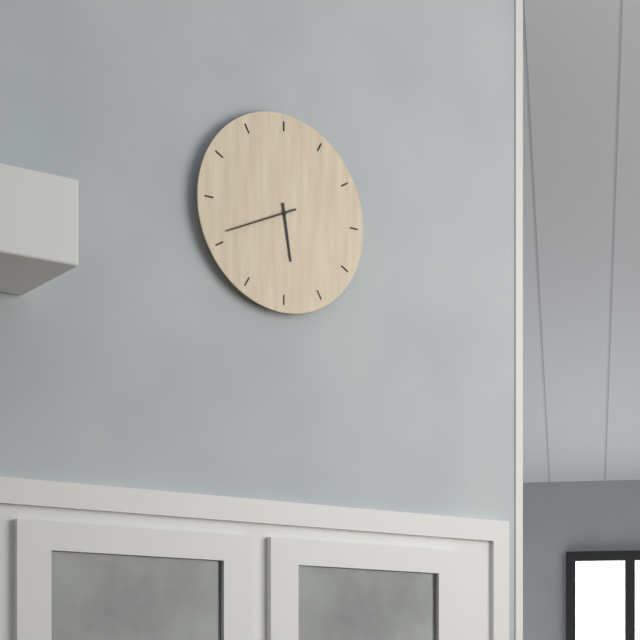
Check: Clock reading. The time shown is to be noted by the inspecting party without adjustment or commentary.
5:41
